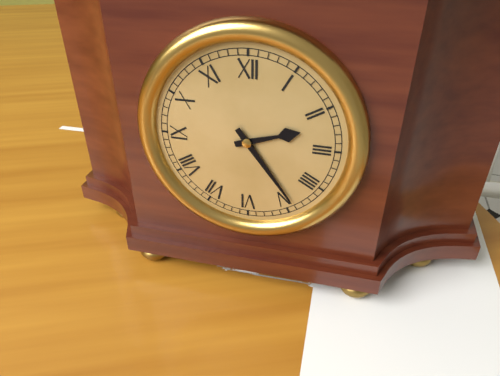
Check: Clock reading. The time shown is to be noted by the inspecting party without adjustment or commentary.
2:24
